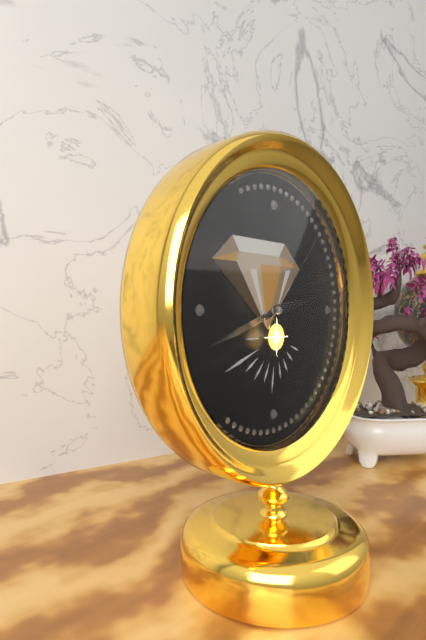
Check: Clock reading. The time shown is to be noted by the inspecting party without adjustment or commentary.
2:42:07
